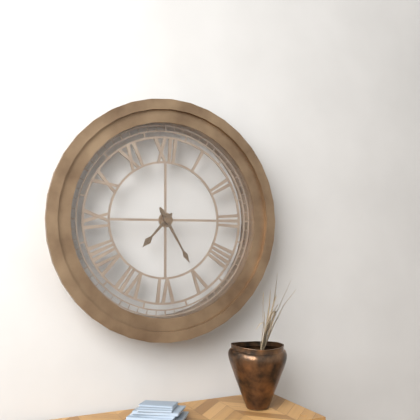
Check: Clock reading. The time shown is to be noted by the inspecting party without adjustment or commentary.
7:25
